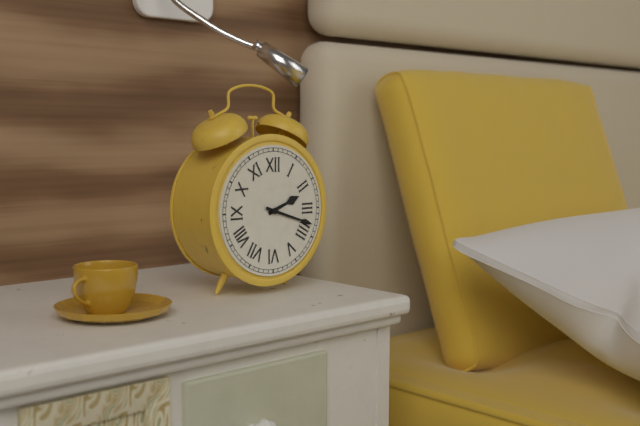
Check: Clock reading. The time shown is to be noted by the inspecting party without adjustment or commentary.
2:18
